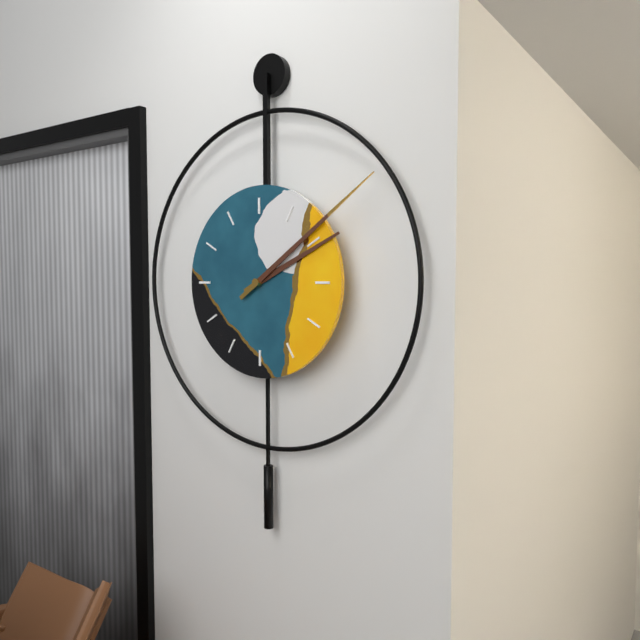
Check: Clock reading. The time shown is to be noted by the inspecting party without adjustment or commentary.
2:09
